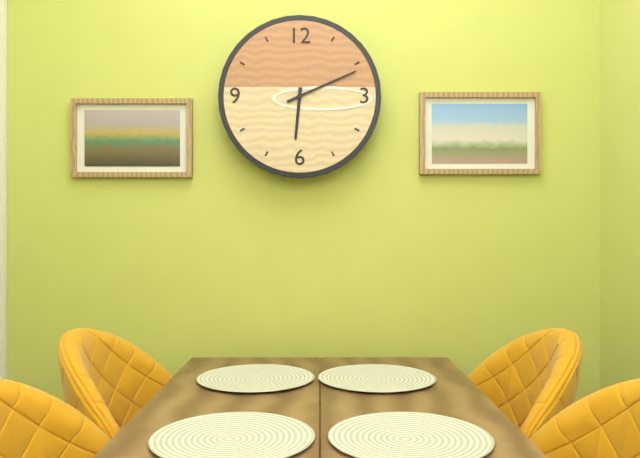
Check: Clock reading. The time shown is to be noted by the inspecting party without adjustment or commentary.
6:11
